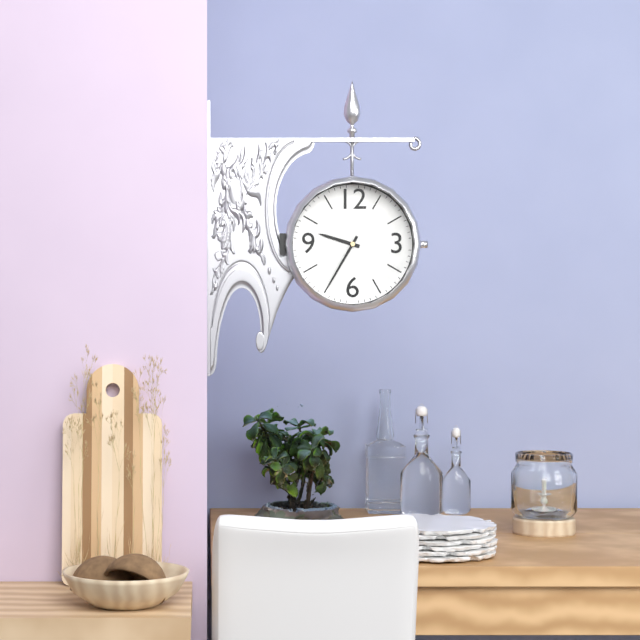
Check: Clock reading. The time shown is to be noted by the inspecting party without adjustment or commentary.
9:35
